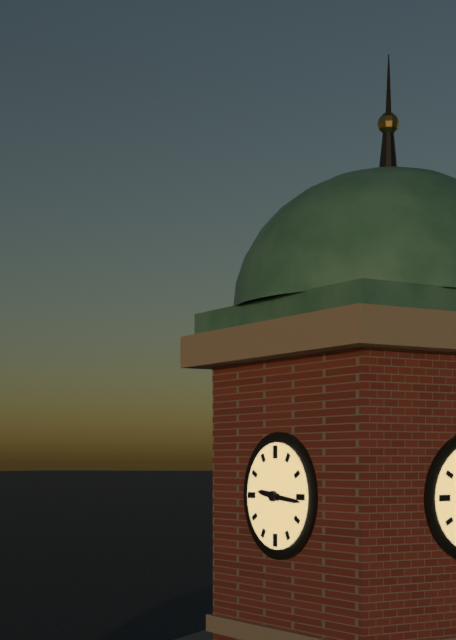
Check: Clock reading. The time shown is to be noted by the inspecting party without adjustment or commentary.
9:16
